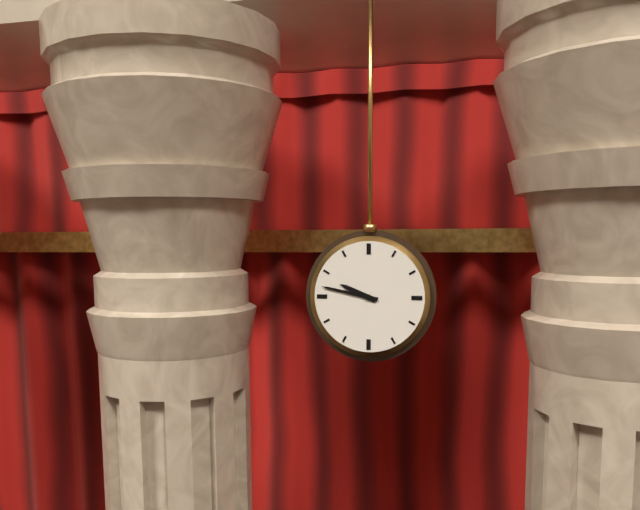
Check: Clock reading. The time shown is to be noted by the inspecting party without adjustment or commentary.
9:47
